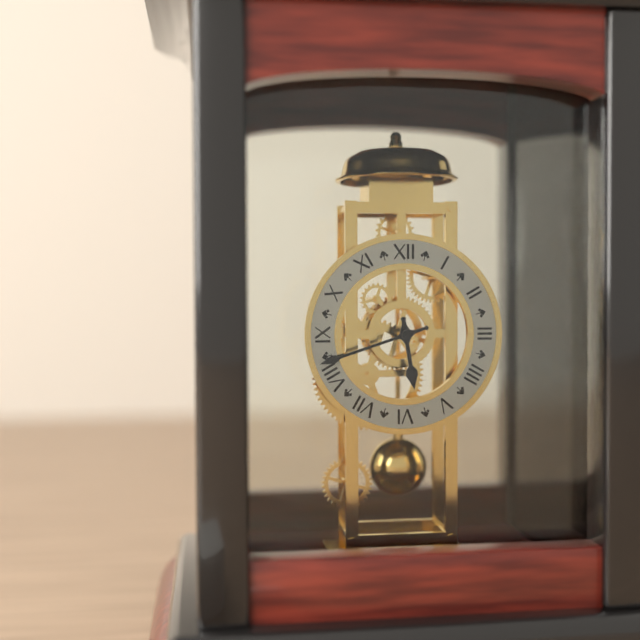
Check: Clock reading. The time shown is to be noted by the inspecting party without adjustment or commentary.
5:42
